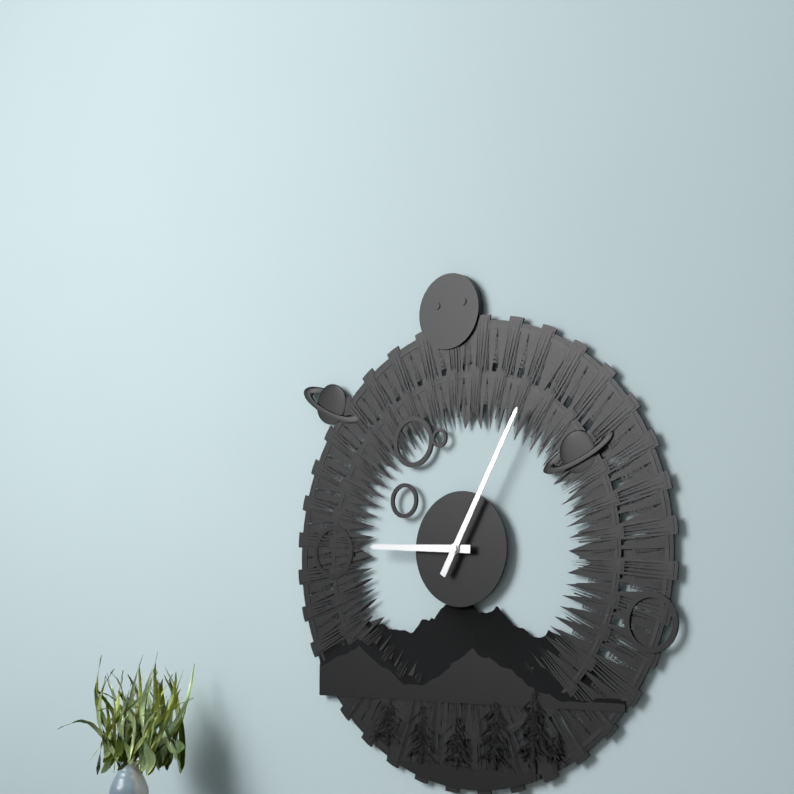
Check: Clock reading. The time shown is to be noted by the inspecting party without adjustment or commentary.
9:05
